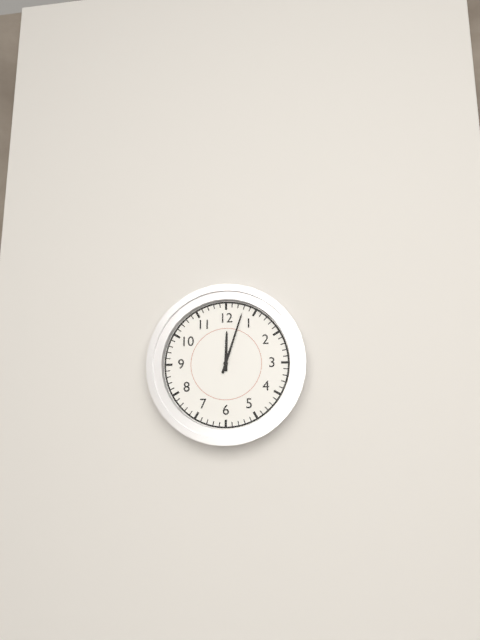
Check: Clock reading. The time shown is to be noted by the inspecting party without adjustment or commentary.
12:03
